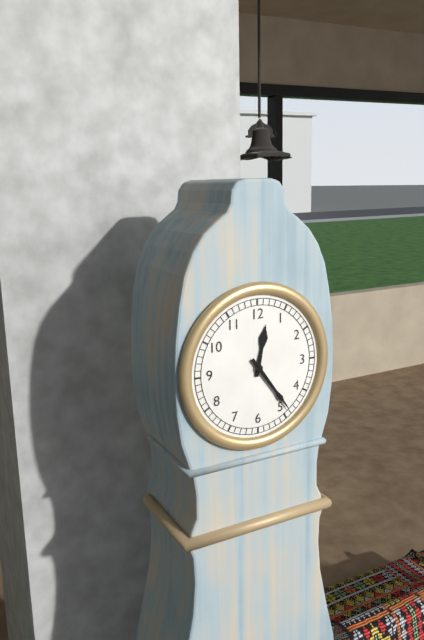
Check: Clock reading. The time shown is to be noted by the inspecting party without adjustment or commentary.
12:24
